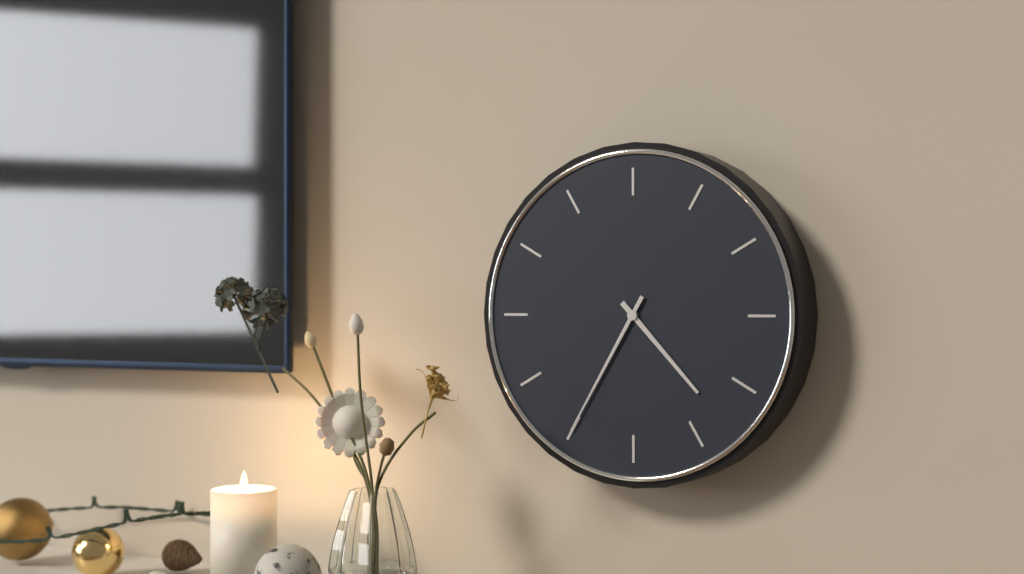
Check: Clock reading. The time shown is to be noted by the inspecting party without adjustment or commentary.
4:35
